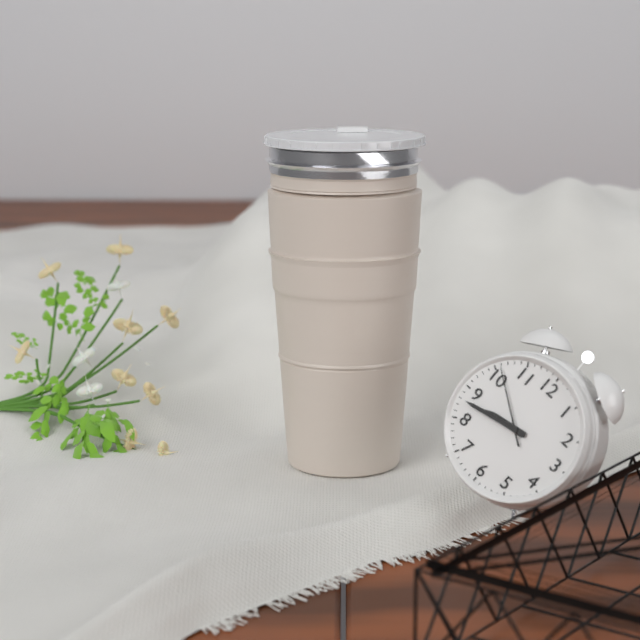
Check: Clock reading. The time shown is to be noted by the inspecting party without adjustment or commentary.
8:43:51
